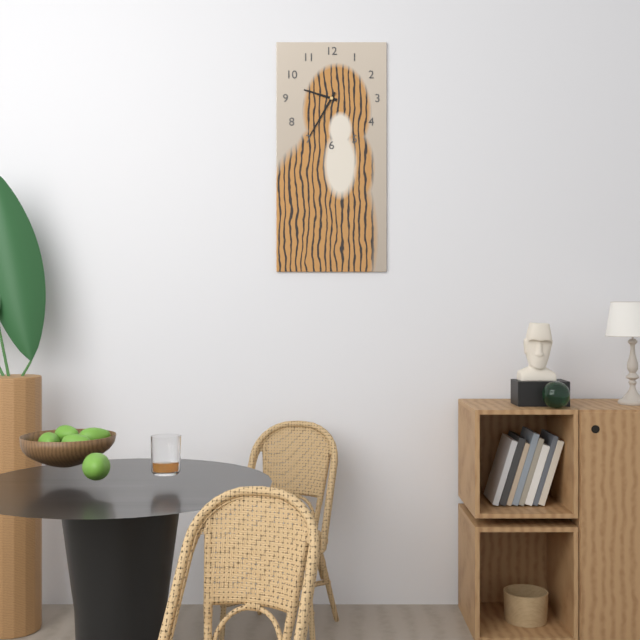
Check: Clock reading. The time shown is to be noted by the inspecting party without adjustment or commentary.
9:35
